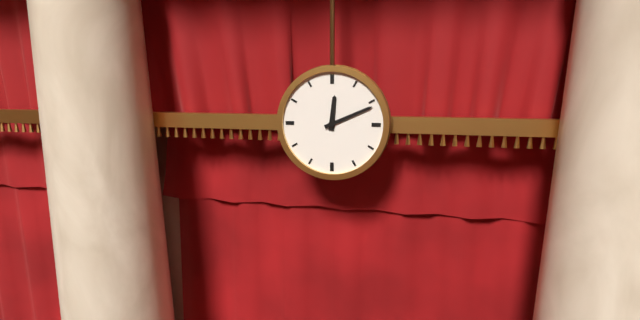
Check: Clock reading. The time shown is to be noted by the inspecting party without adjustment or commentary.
12:11
